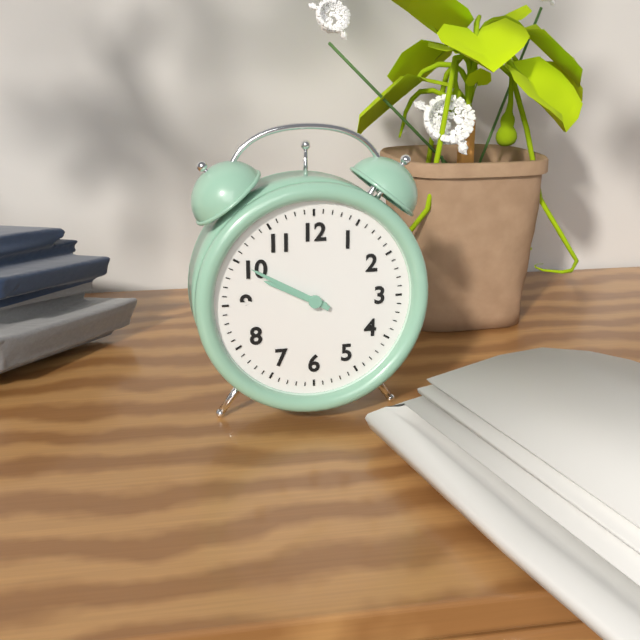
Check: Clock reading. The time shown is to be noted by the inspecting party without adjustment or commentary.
9:50
